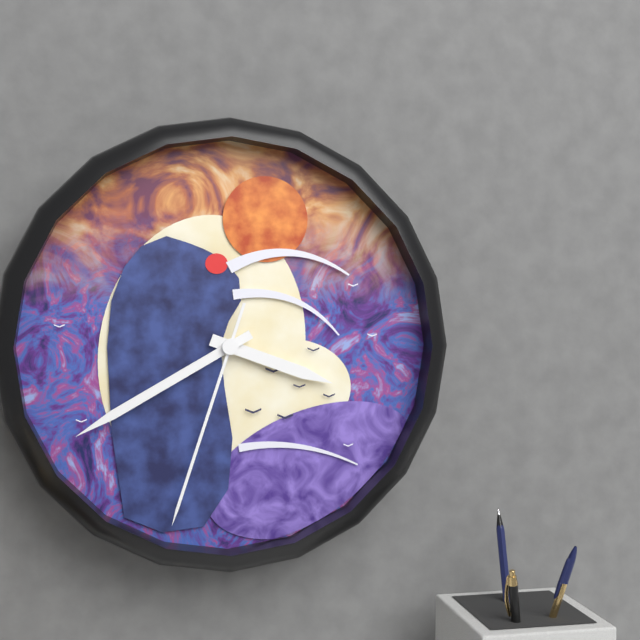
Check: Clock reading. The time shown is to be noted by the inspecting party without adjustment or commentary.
3:40:33
